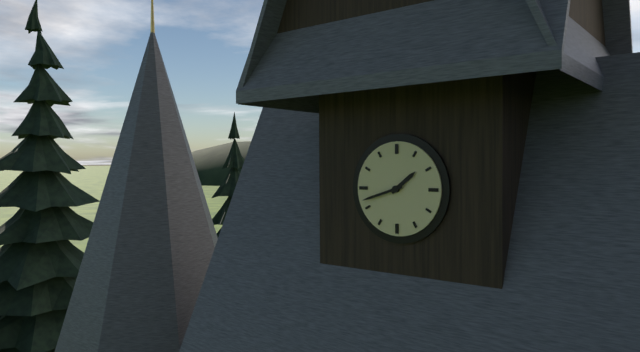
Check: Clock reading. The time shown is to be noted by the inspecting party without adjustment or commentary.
1:42
